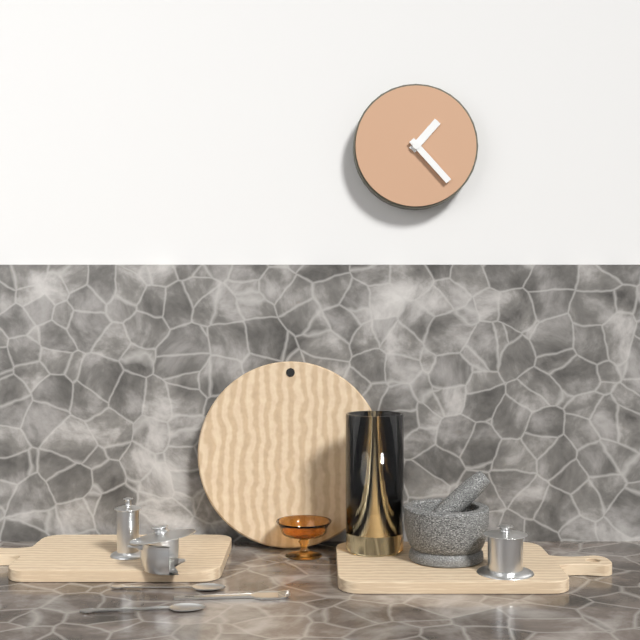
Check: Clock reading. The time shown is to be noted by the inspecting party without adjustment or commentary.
1:23
